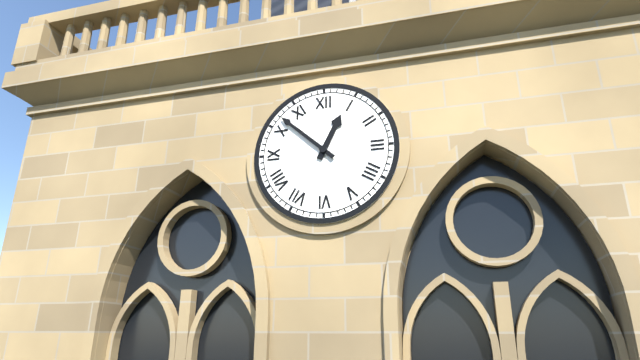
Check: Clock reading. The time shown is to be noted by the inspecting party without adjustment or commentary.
12:52
